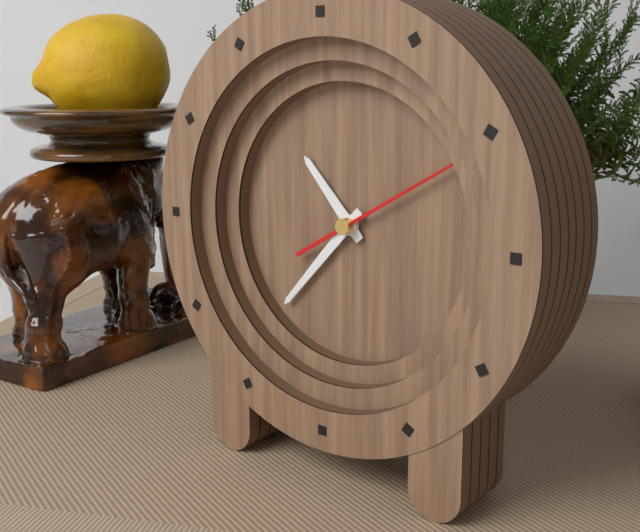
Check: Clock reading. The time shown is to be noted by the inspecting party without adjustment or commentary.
10:37:10
